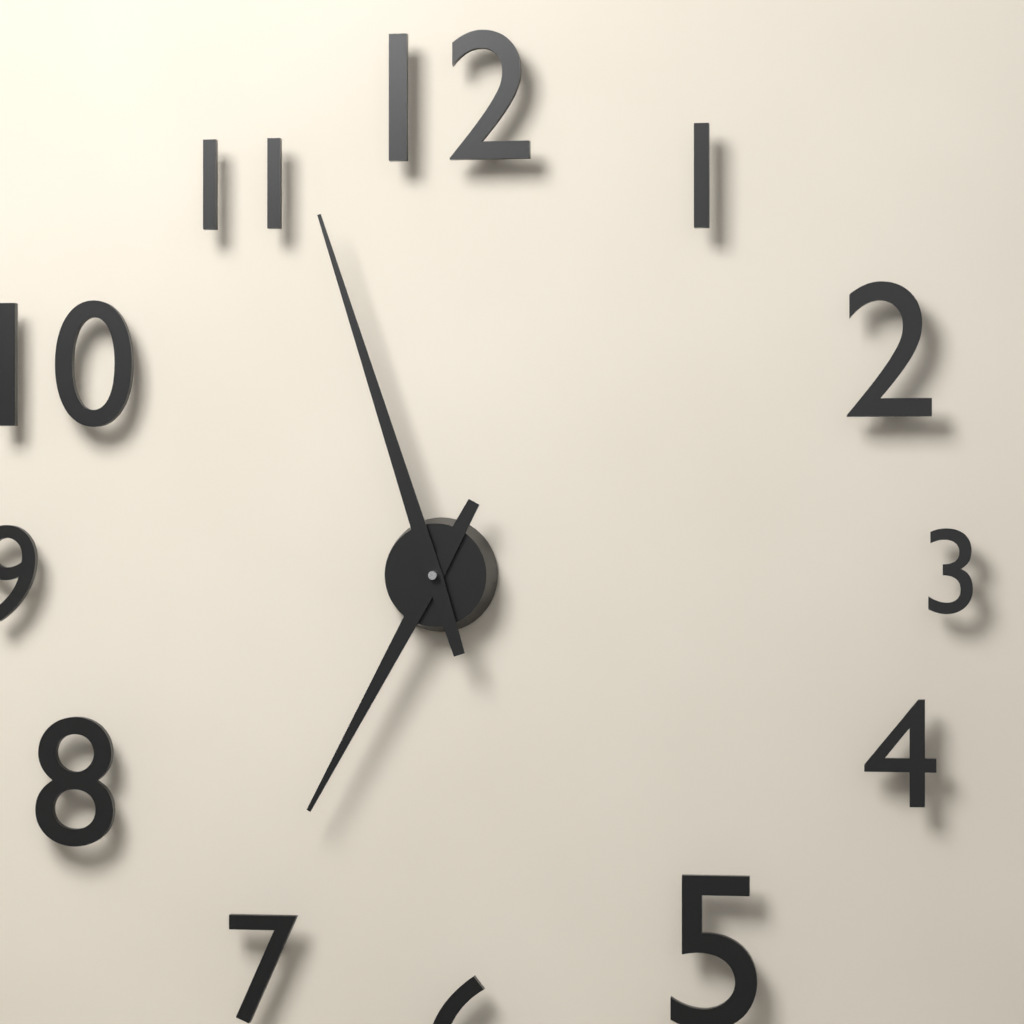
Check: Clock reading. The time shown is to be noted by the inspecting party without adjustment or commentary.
6:57
